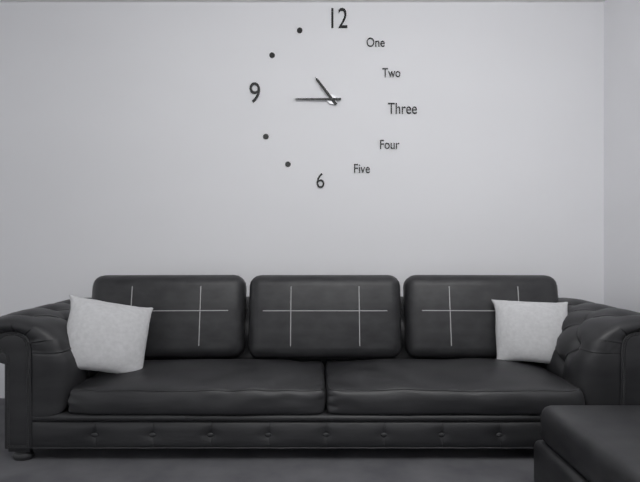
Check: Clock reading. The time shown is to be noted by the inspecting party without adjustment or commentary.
10:45
